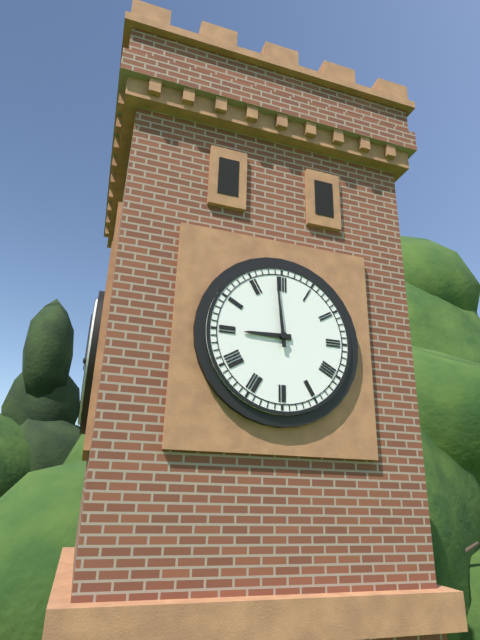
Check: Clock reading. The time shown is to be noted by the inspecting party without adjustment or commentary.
8:59
